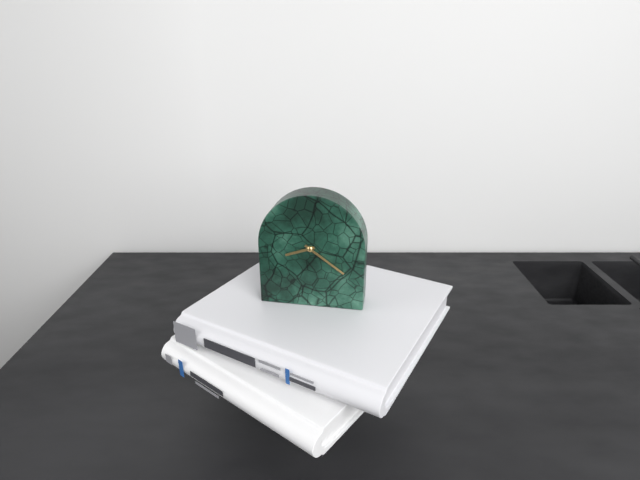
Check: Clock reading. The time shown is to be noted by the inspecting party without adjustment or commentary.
8:21
